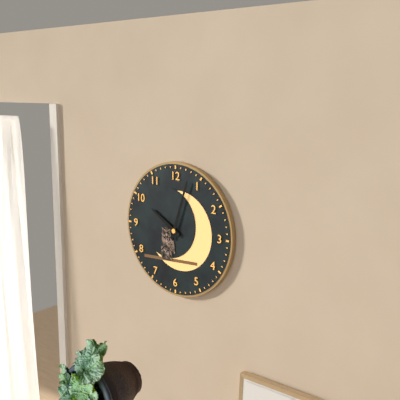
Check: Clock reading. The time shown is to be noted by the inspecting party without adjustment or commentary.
10:03
